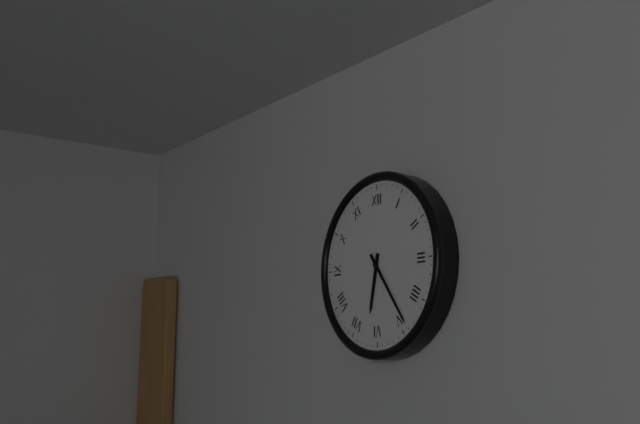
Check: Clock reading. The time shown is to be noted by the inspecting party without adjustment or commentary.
6:24
